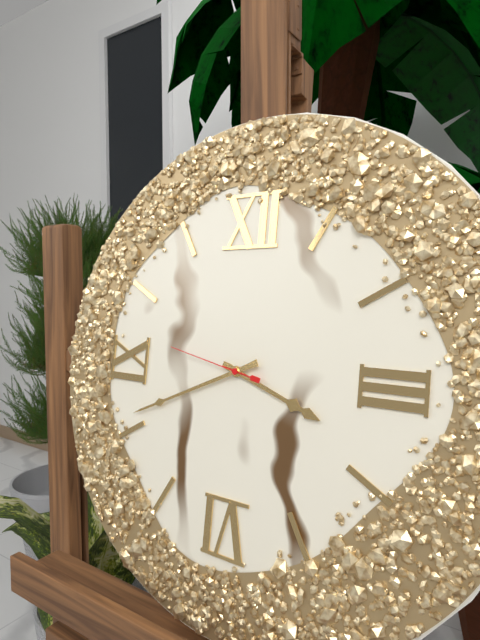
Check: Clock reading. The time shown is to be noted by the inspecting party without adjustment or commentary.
3:41:47
